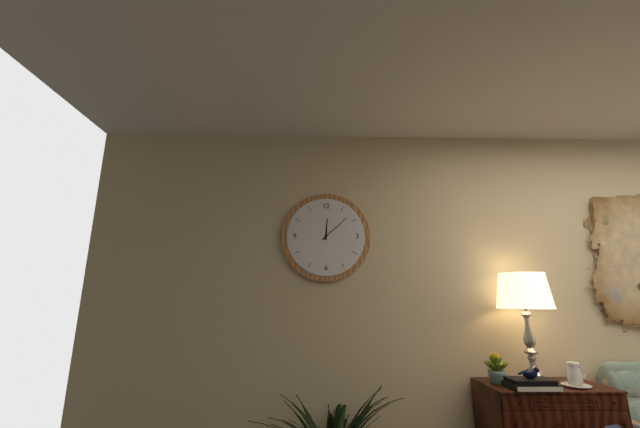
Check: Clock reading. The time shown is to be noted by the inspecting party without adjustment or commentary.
12:08
